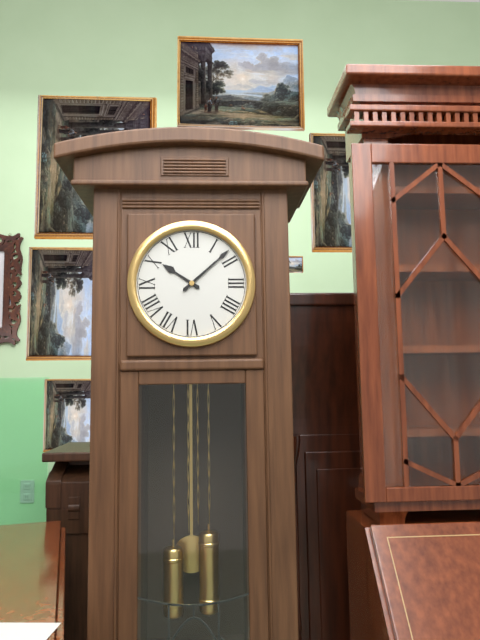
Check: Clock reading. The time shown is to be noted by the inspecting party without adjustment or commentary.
10:08
